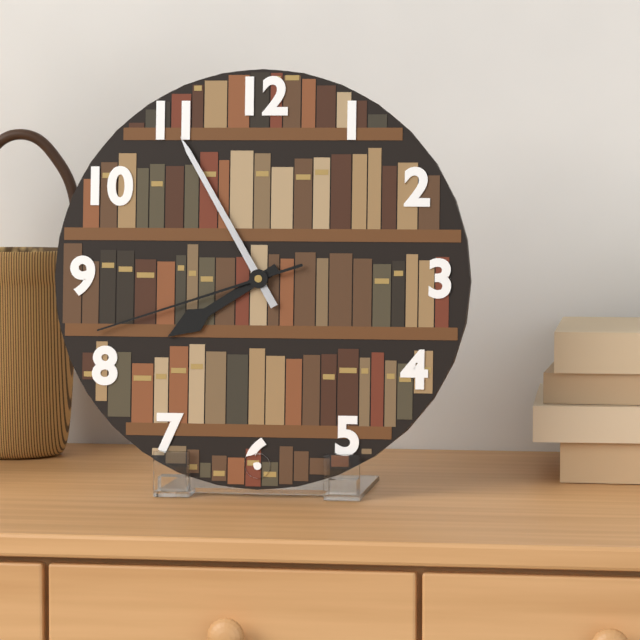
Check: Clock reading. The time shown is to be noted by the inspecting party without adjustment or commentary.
7:55:42
